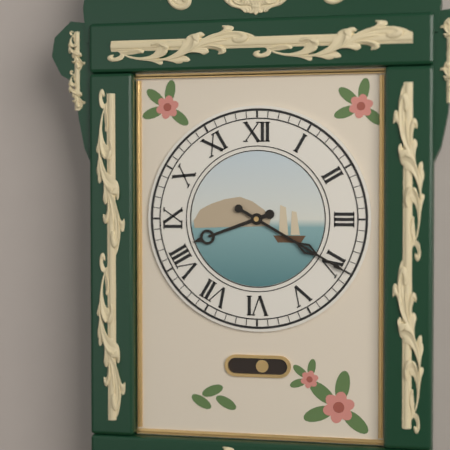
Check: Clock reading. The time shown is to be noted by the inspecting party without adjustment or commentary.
8:20
